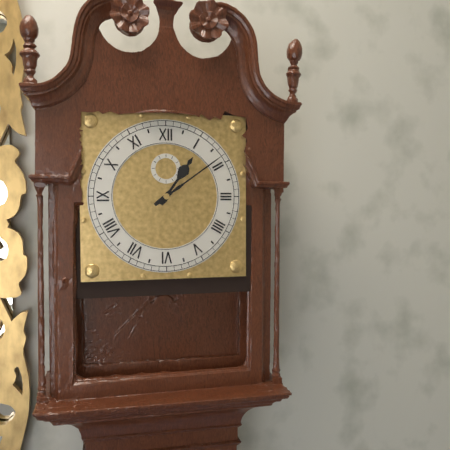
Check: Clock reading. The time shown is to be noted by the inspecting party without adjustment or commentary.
1:09
